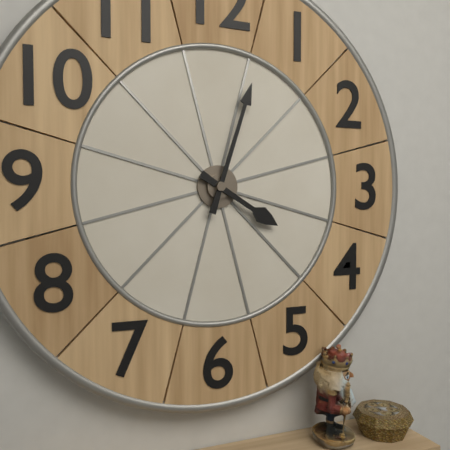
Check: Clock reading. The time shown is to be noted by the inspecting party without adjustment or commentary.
4:03
